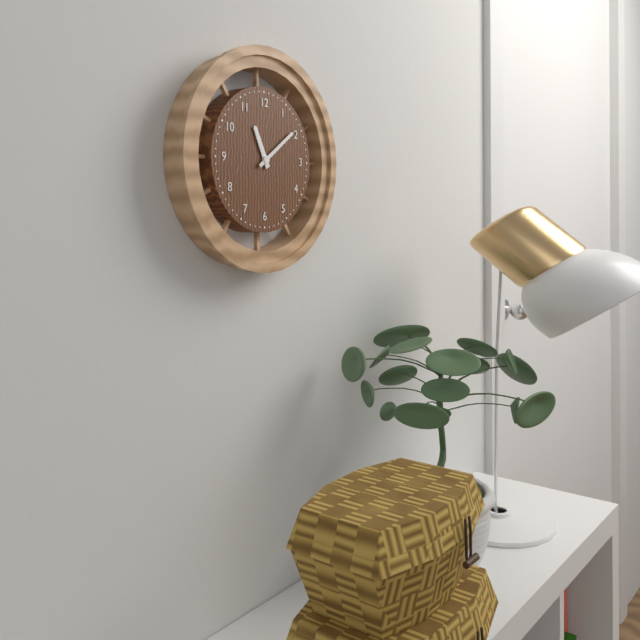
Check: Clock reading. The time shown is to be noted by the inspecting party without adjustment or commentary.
11:09
